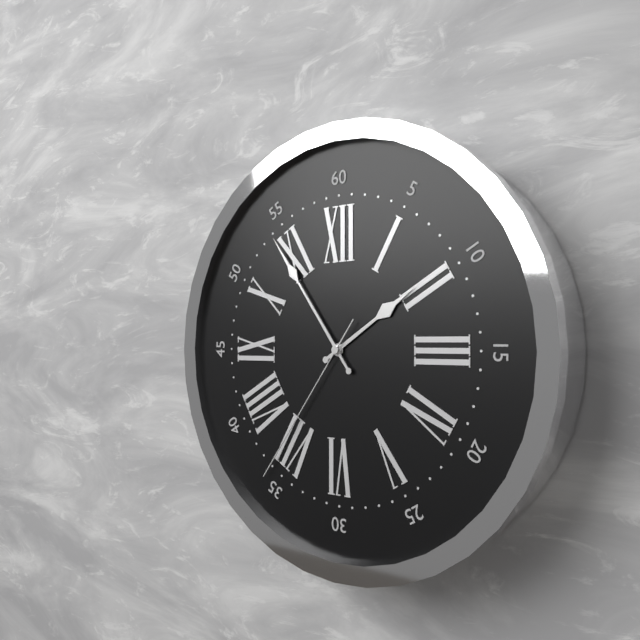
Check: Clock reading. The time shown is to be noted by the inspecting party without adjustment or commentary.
1:54:36
